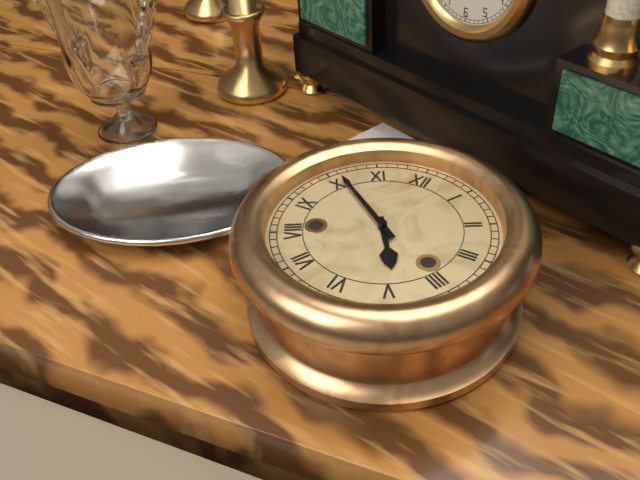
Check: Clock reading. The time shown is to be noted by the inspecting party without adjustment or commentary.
4:51
